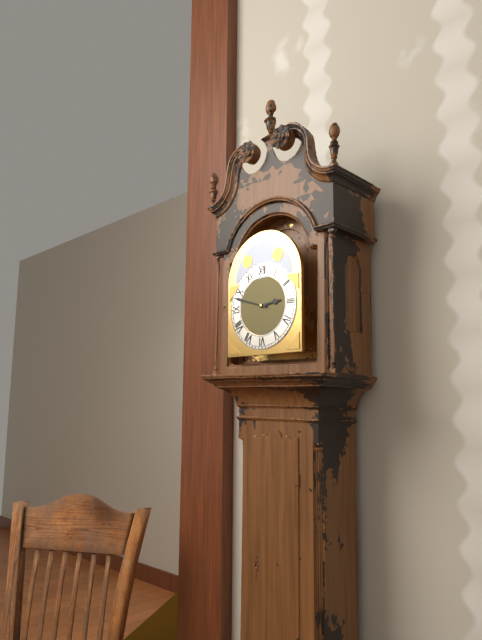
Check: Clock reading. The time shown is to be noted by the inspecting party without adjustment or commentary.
2:48
